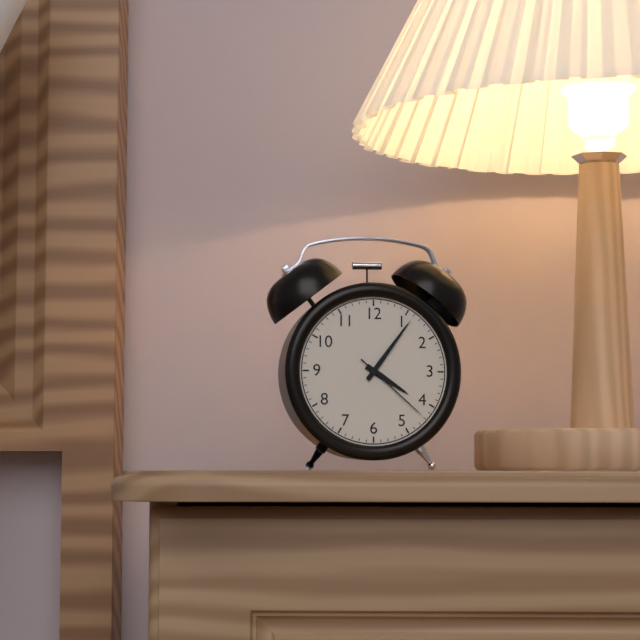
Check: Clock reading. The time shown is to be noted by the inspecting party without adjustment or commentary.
4:06:22
